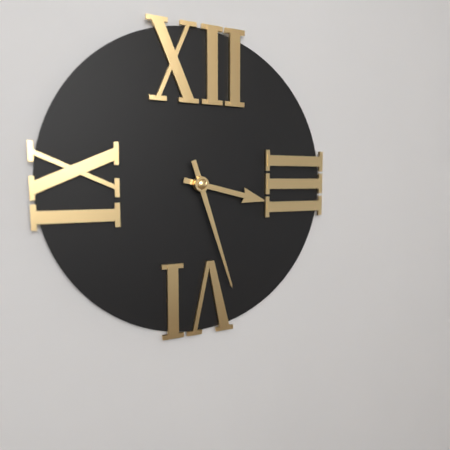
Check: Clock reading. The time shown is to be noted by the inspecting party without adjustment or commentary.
3:27
